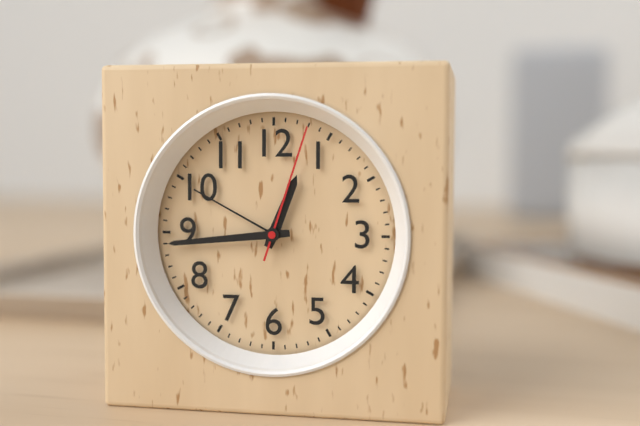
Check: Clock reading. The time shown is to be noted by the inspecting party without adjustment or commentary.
12:44:03
